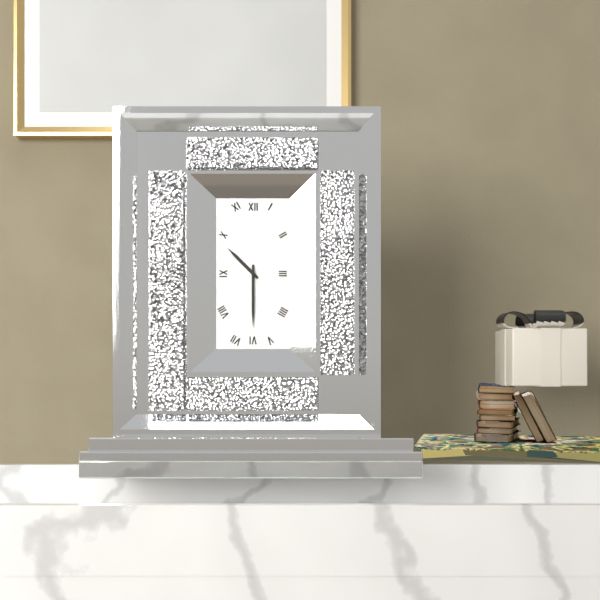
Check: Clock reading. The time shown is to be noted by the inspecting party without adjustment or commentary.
10:30
